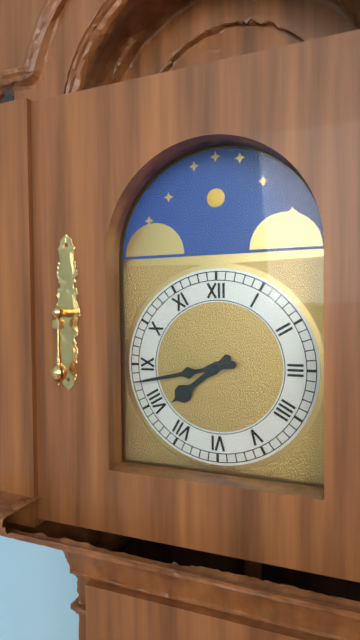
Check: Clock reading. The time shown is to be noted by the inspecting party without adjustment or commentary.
7:43
